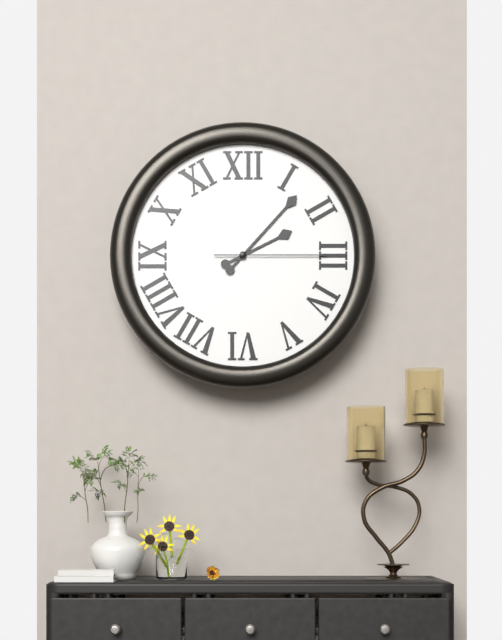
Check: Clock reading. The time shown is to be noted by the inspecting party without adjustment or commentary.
2:07:15
